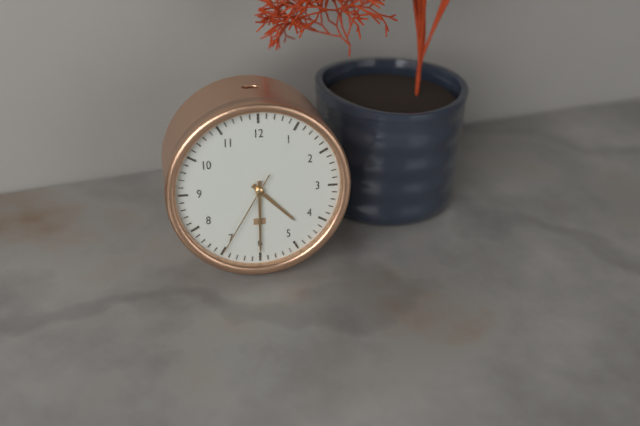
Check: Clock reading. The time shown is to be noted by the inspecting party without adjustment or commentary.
4:30:35
